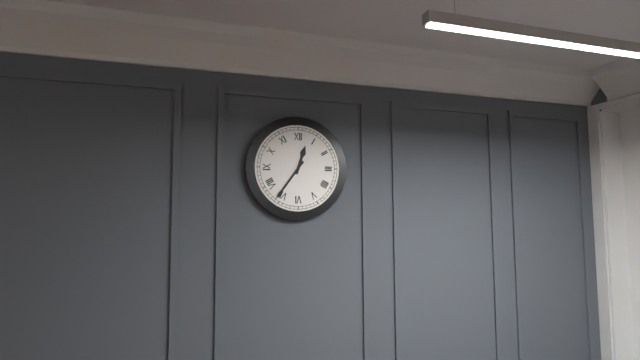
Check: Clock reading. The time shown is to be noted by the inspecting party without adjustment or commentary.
12:36
